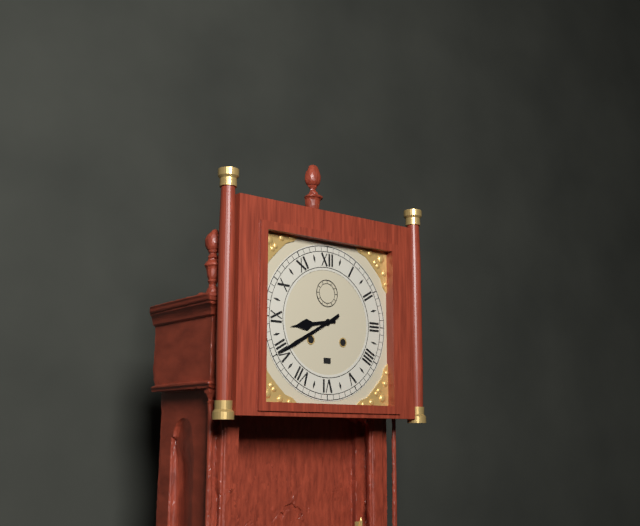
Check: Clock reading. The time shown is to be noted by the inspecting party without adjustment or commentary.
8:40
